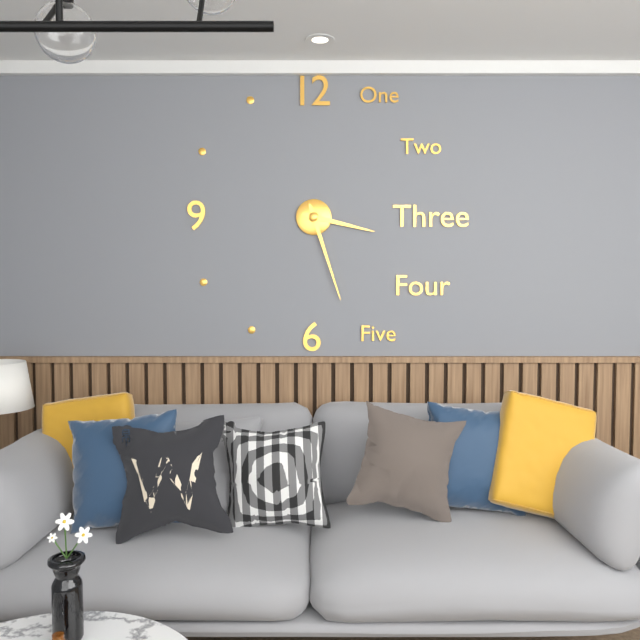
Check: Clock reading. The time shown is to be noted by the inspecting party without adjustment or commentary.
3:27
